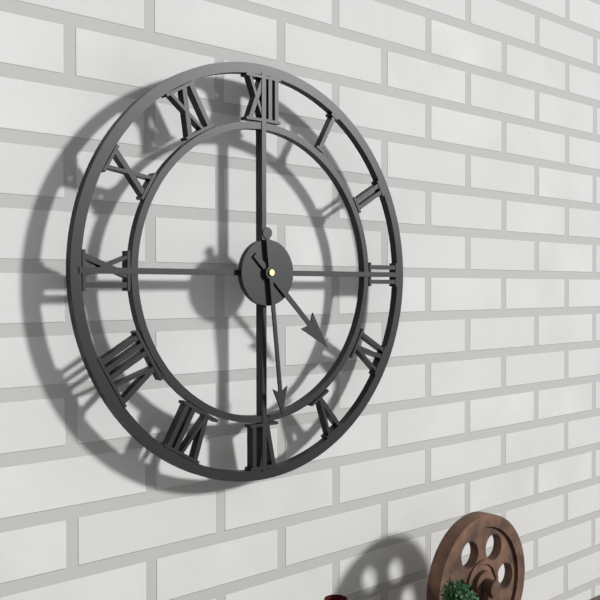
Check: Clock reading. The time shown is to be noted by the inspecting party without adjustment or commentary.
4:29
